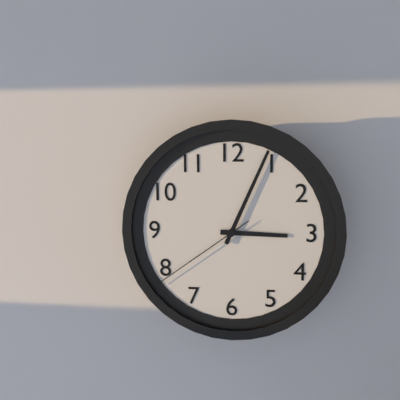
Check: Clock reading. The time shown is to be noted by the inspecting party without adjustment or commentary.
3:04:39
